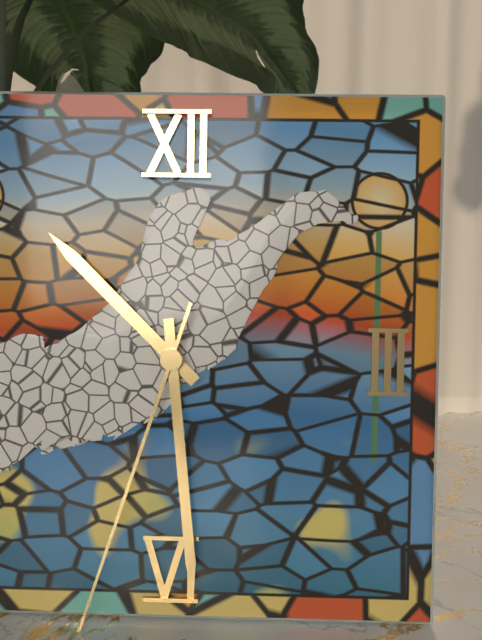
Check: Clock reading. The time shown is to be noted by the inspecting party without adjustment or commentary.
10:29:33
